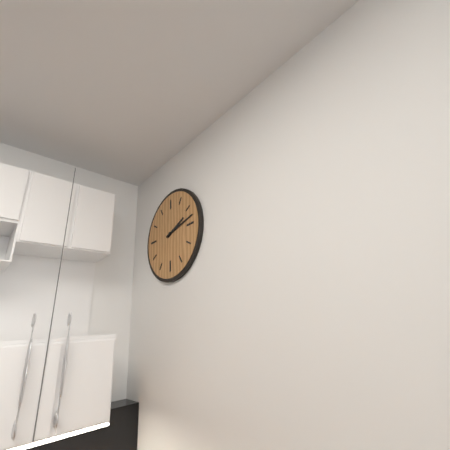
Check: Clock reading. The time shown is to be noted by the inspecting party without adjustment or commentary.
2:13
